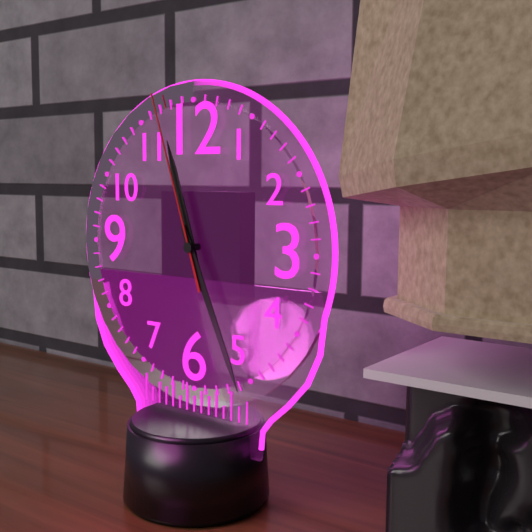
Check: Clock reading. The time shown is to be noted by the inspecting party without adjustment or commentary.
11:26:57
